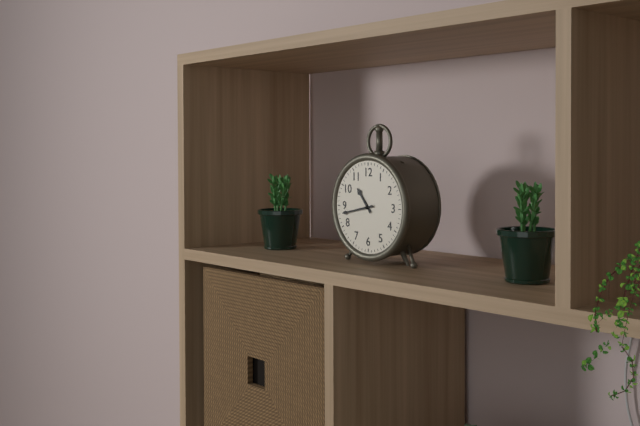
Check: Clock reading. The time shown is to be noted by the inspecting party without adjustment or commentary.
10:43
